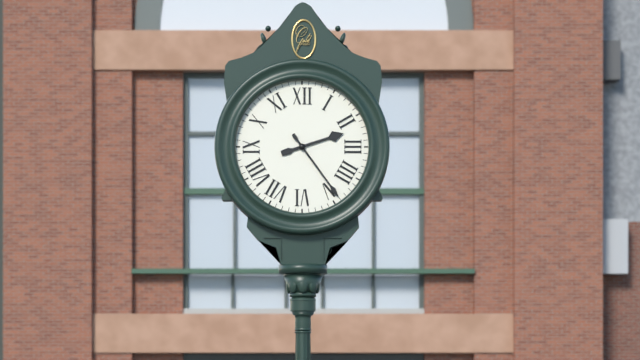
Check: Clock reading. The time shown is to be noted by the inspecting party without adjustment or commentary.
2:24
